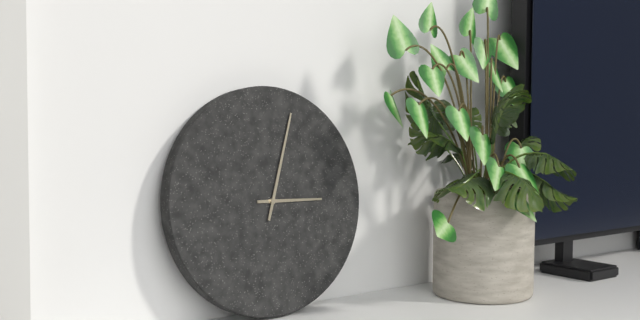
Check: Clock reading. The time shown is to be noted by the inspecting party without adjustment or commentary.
3:03
